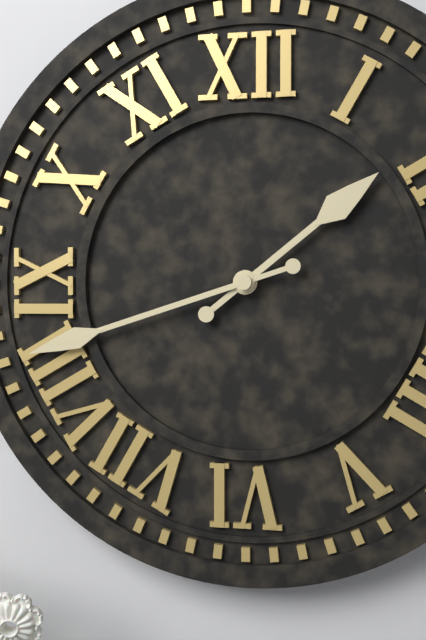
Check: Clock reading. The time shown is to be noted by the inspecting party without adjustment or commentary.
1:42
